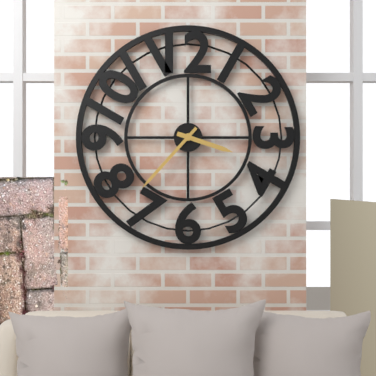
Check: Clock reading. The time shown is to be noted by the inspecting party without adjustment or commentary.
3:37
